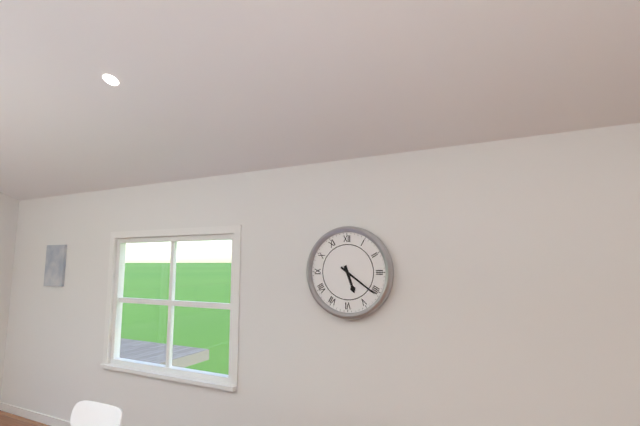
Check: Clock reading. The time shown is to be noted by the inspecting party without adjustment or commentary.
5:21
